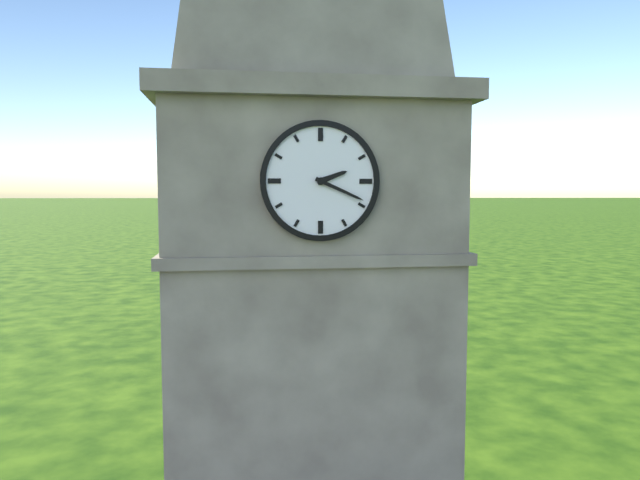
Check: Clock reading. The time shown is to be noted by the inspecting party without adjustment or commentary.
2:19
